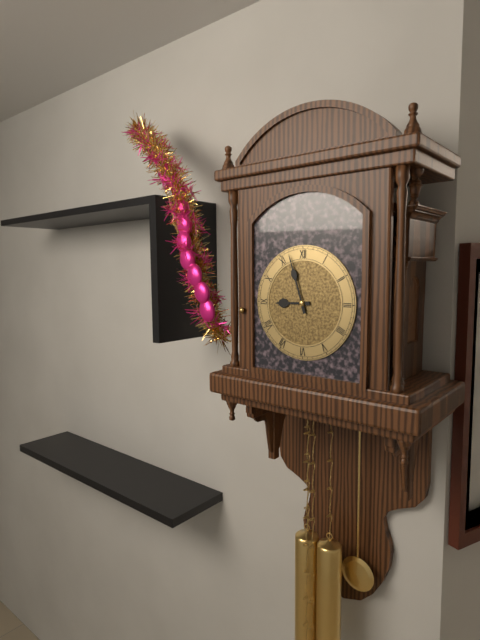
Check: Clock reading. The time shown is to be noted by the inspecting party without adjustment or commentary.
8:57
